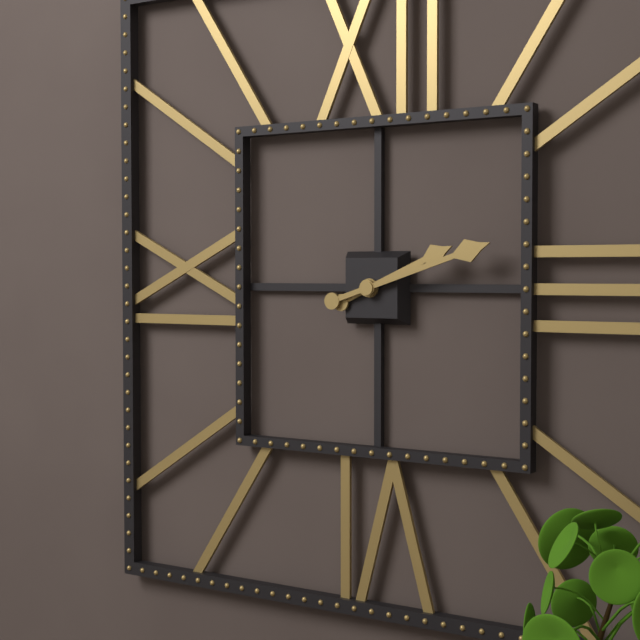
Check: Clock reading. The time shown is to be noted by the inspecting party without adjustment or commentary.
2:12
